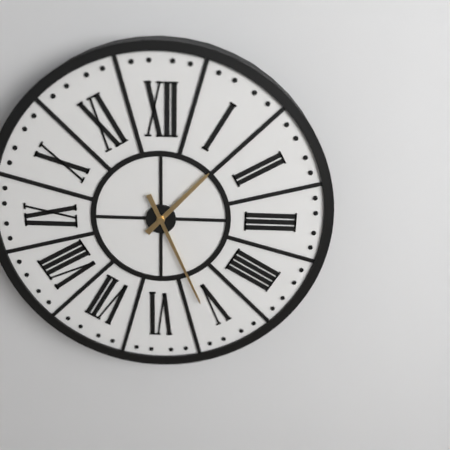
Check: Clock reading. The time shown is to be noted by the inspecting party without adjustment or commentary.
1:26
